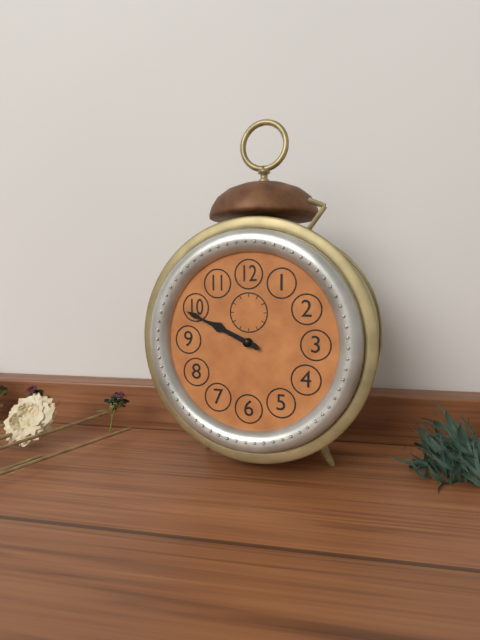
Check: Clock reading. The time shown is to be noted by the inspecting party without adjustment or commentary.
9:49
